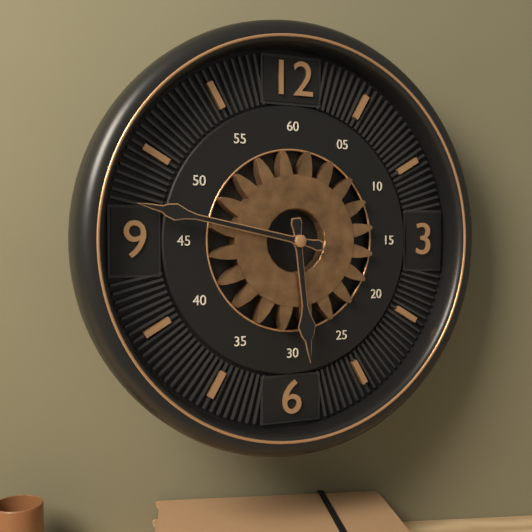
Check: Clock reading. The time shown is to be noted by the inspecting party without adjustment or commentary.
5:47
